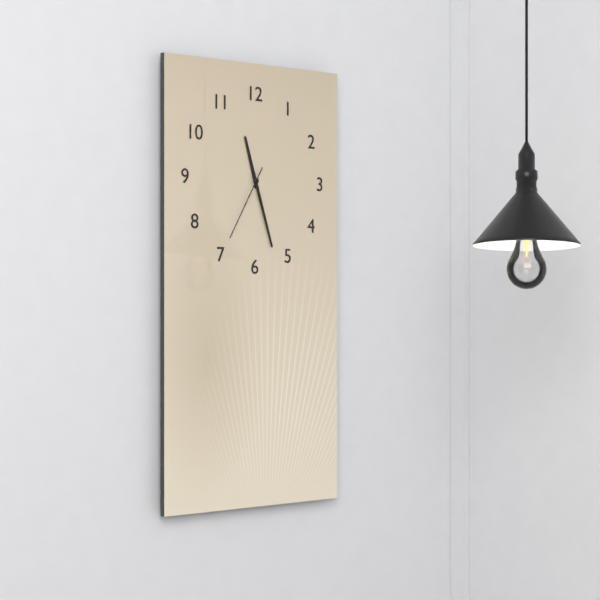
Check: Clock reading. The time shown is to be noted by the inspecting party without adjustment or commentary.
11:27:35
